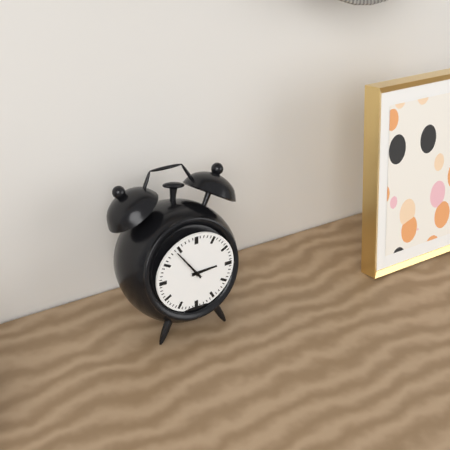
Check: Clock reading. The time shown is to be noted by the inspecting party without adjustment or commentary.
2:54
